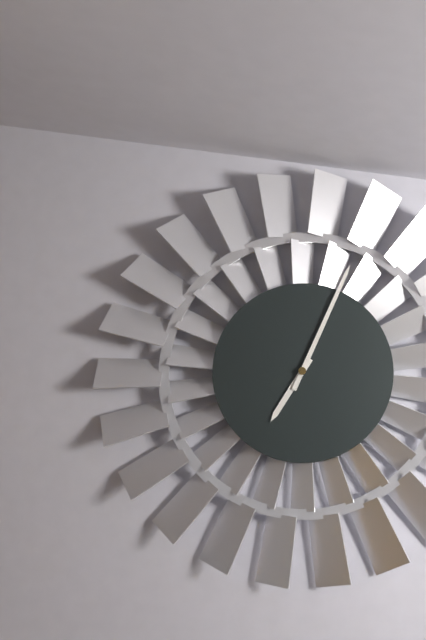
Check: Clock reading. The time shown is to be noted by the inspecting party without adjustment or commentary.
7:04
